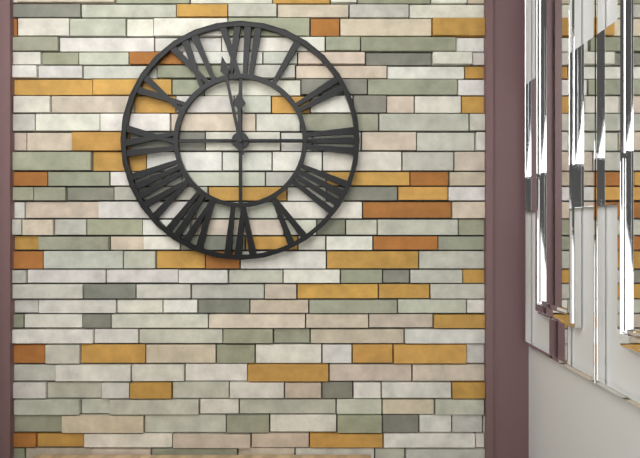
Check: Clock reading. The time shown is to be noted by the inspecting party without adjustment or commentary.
11:58:15
